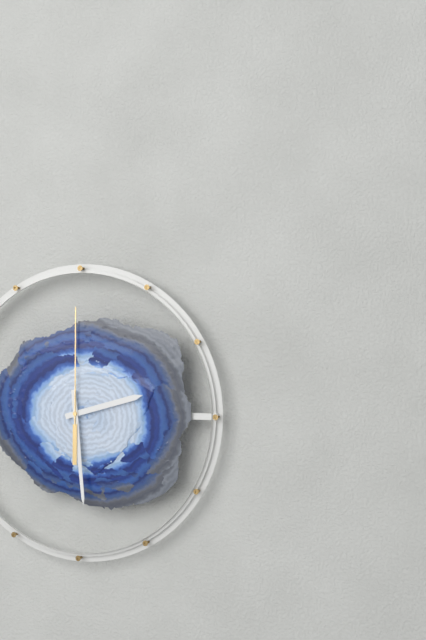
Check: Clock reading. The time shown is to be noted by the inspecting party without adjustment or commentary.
2:29:00
